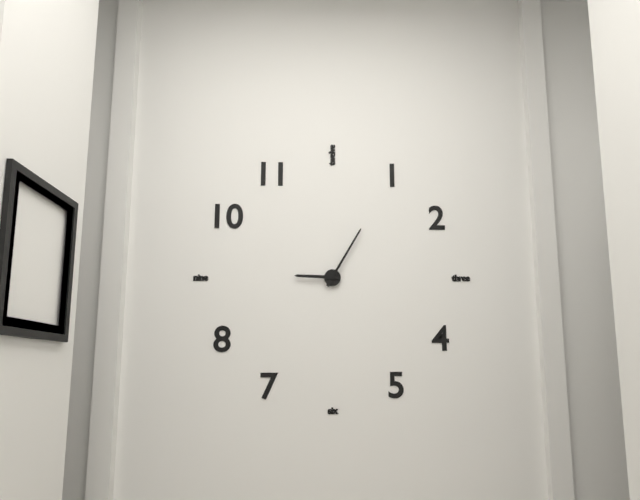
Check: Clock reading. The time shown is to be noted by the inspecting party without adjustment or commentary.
9:05
